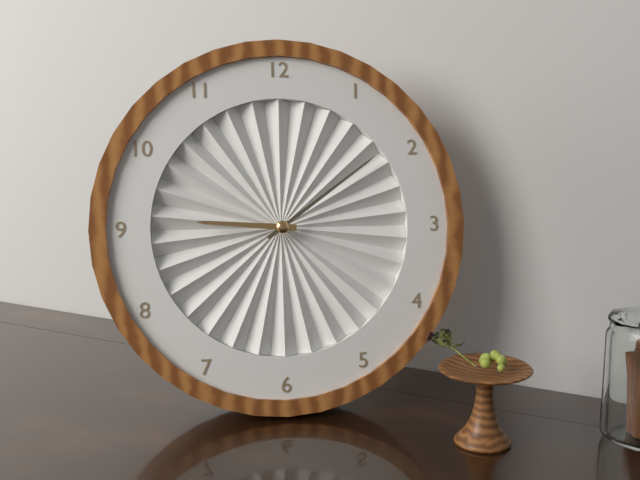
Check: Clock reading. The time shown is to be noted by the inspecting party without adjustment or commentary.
9:09
